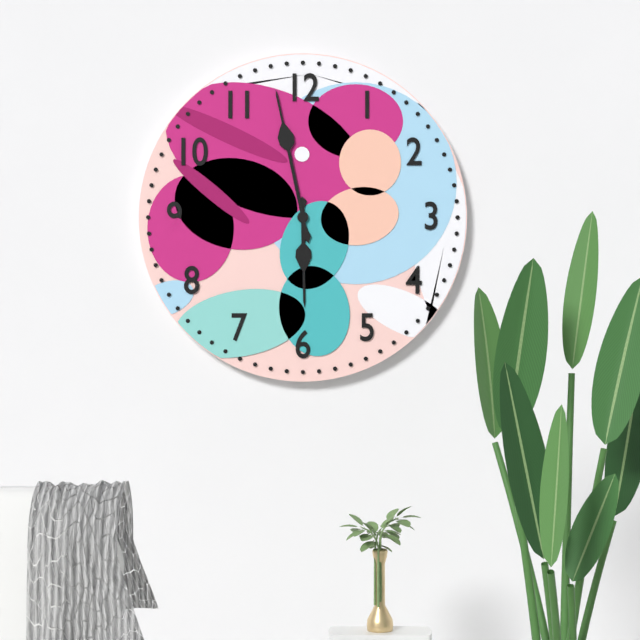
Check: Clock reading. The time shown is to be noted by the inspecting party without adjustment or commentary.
5:58
